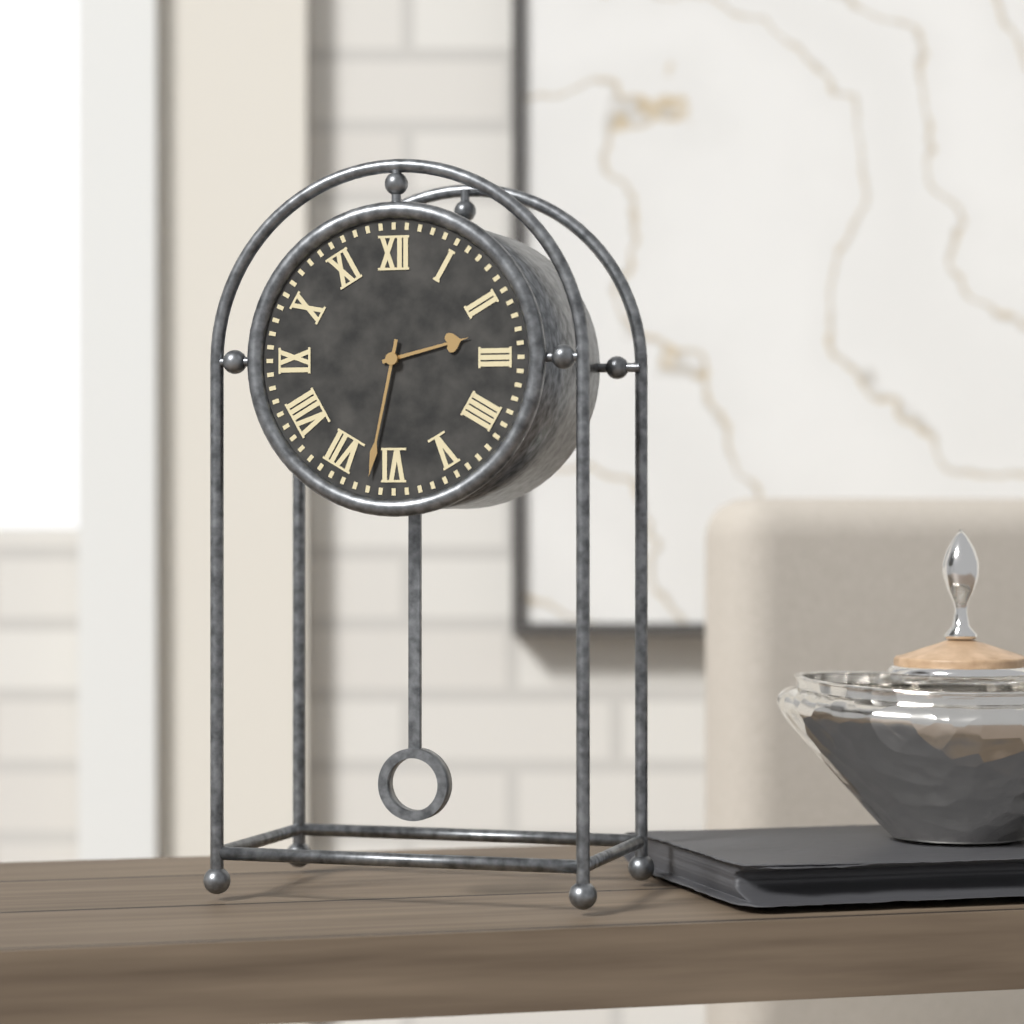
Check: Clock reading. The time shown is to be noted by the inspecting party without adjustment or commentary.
2:32
